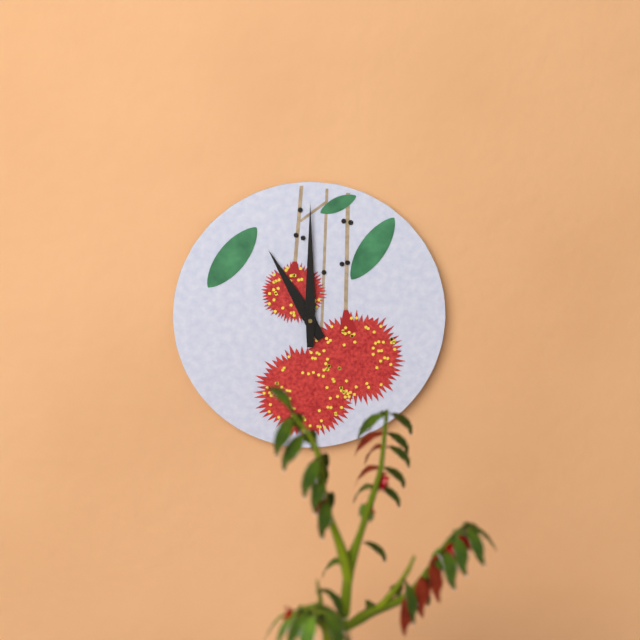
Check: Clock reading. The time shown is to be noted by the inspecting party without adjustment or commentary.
11:00
